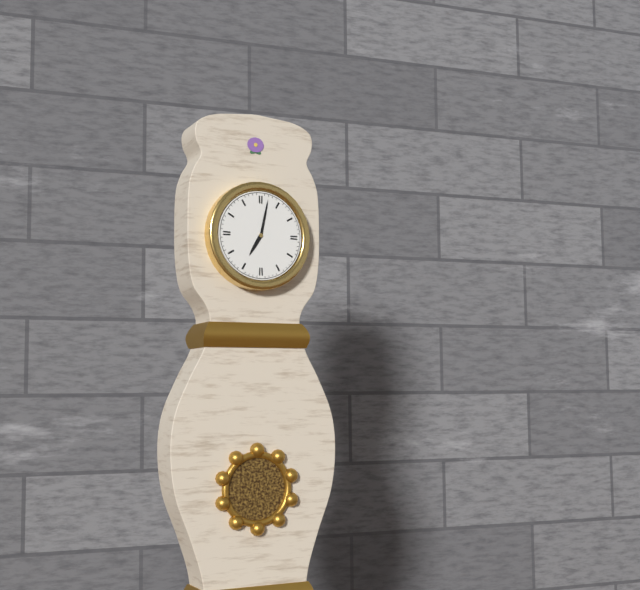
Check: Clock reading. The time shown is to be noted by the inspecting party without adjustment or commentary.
7:02
